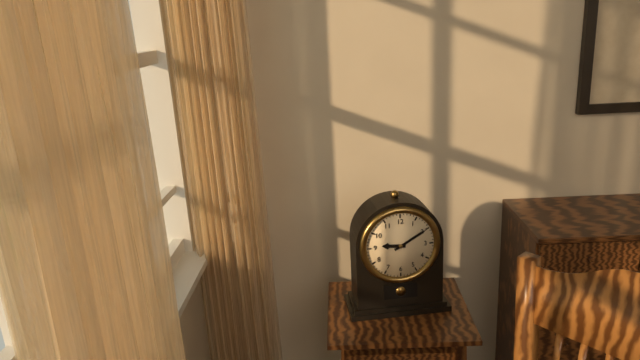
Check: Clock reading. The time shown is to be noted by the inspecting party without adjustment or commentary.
9:10
